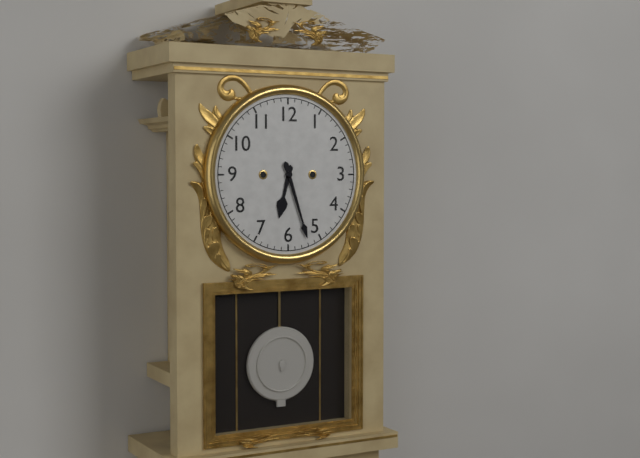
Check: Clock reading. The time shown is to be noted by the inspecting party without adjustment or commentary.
6:27
